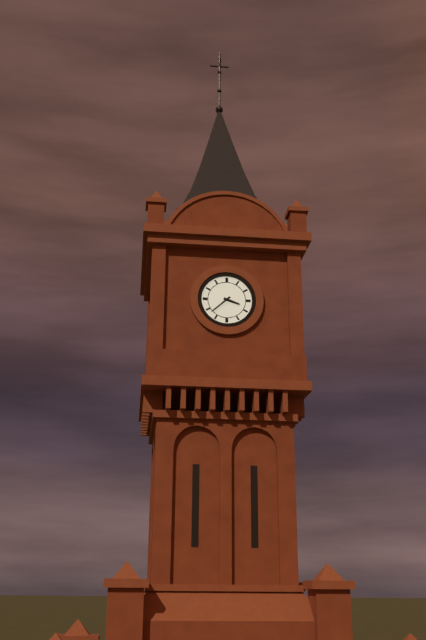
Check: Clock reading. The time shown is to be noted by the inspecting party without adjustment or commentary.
3:38
